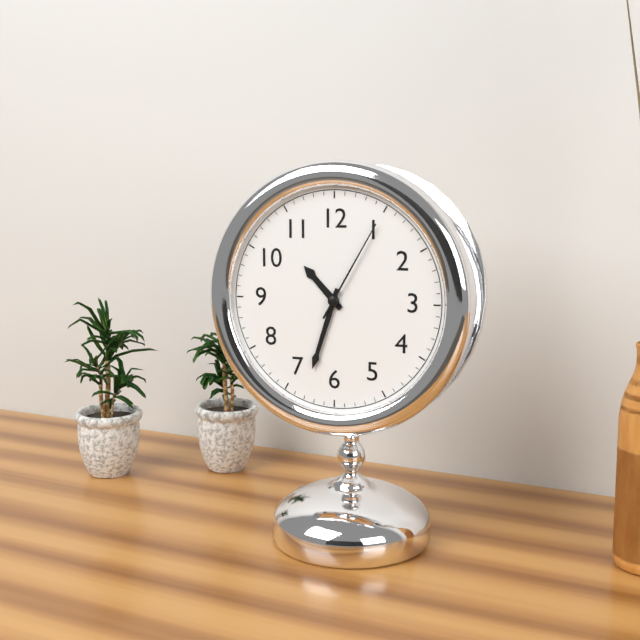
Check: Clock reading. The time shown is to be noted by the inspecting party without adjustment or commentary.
10:33:05
